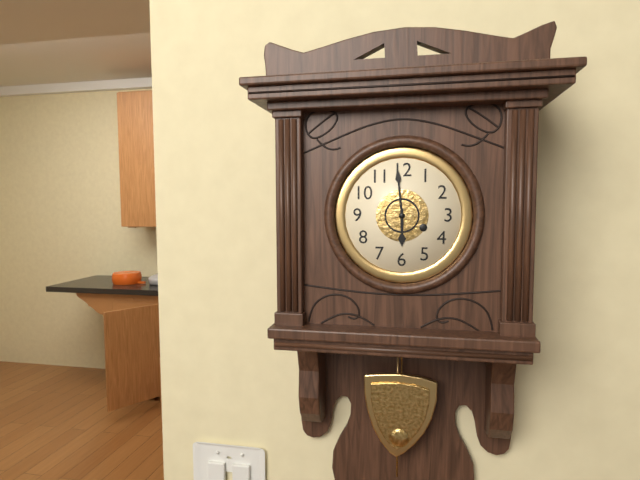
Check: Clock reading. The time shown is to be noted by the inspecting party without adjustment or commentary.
5:59
